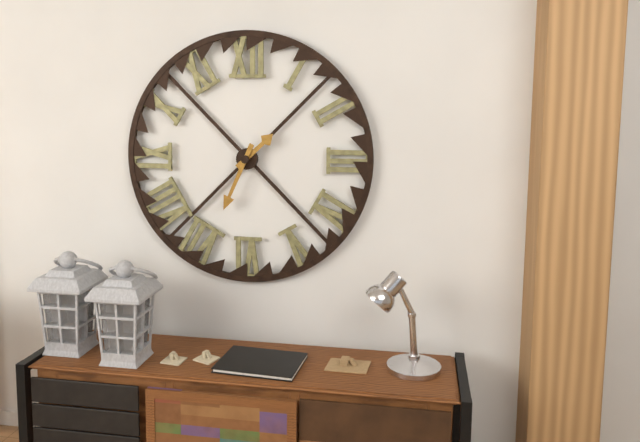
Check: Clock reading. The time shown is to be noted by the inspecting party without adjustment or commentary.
1:34
